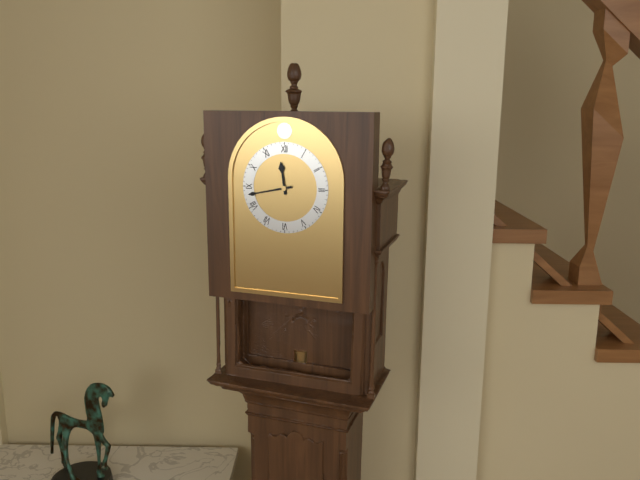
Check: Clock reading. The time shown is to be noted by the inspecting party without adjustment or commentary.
11:43
